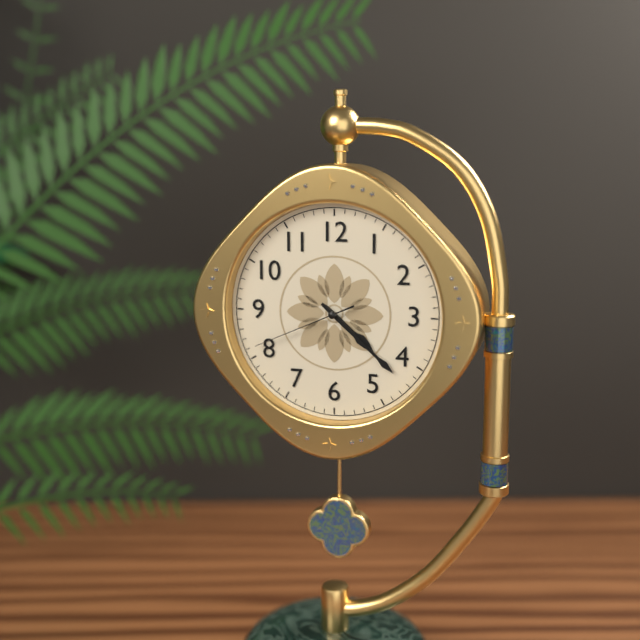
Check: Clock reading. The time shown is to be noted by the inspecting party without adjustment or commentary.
4:22:41
